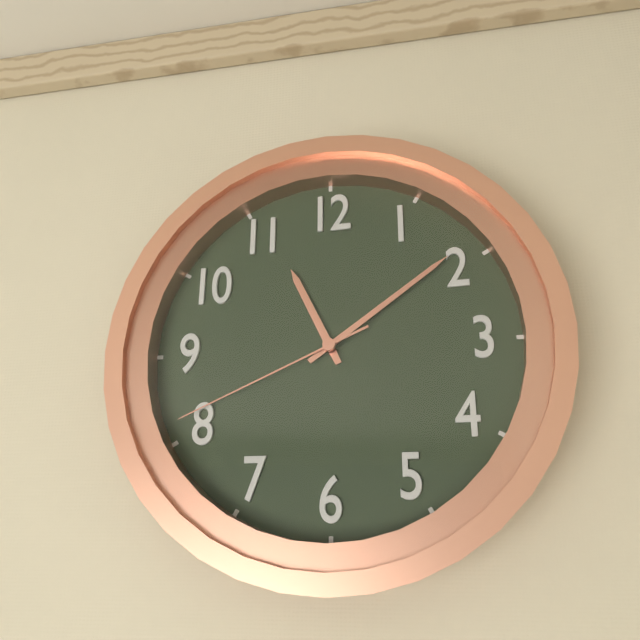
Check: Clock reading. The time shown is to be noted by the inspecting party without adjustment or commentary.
11:09:41
